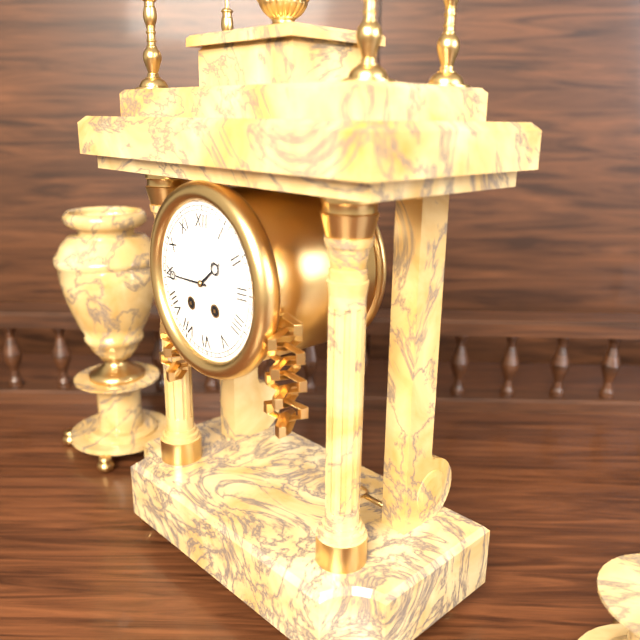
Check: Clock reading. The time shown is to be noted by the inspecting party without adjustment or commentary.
1:45
